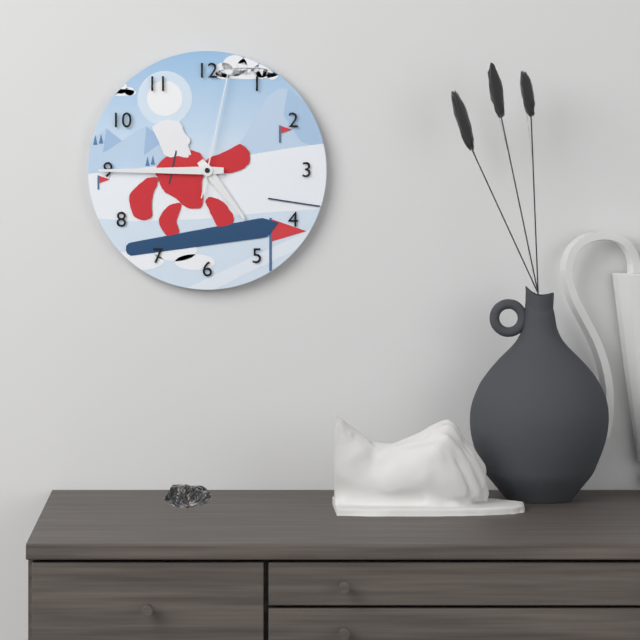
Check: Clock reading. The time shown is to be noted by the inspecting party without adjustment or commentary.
4:45:02
